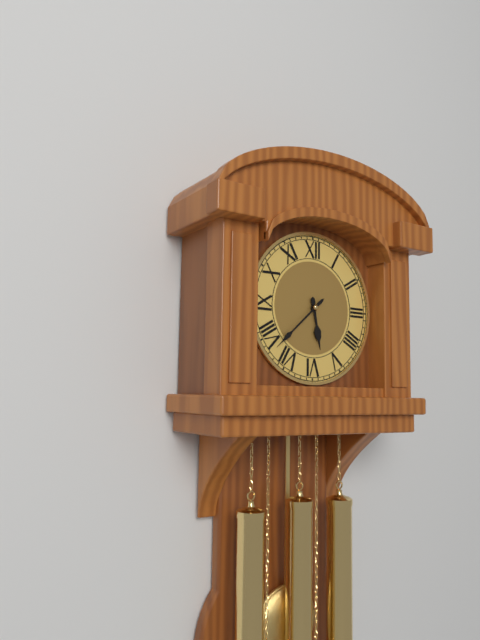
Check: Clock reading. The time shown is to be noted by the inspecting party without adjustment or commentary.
5:38
